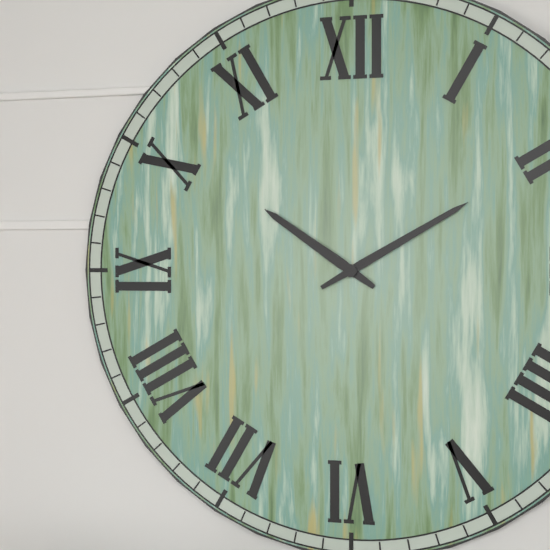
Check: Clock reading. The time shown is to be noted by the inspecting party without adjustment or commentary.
10:10
